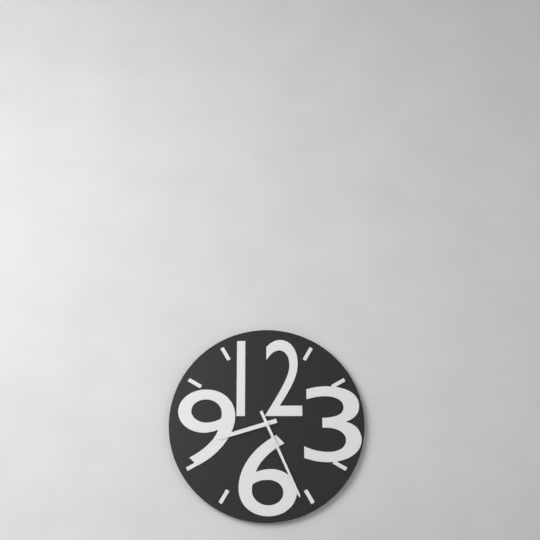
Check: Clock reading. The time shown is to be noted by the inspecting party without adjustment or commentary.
8:26
